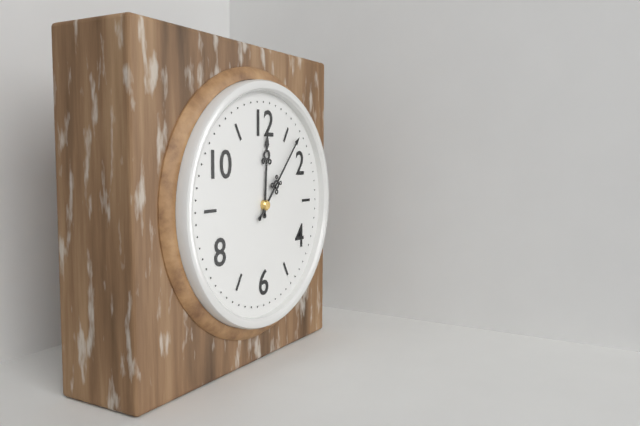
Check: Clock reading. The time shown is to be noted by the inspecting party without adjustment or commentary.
12:07
